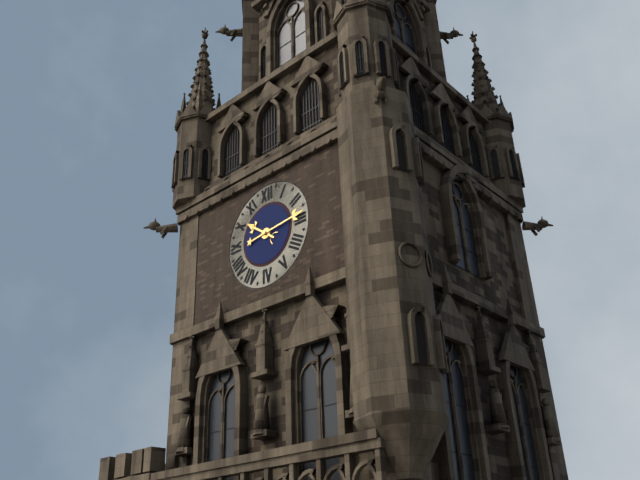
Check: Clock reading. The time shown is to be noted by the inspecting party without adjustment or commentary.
10:14
